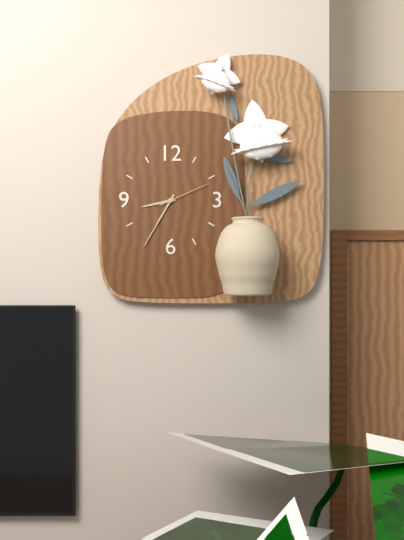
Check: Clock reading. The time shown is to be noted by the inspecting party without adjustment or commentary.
8:35:11
